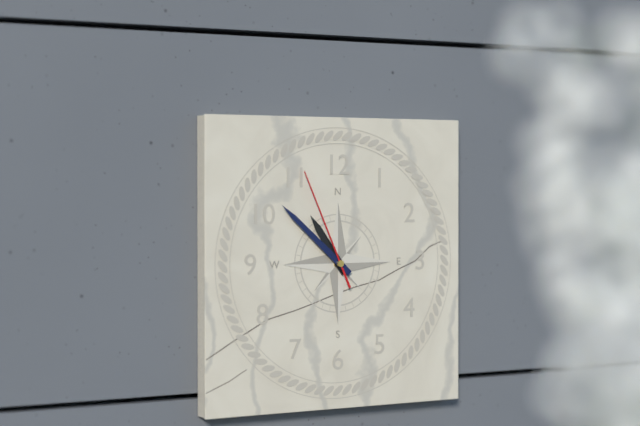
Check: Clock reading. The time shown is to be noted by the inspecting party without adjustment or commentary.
10:52:56
